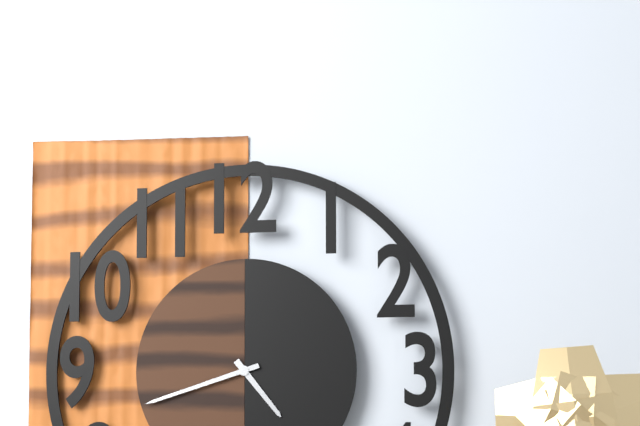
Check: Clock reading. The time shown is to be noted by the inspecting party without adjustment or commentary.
4:42
